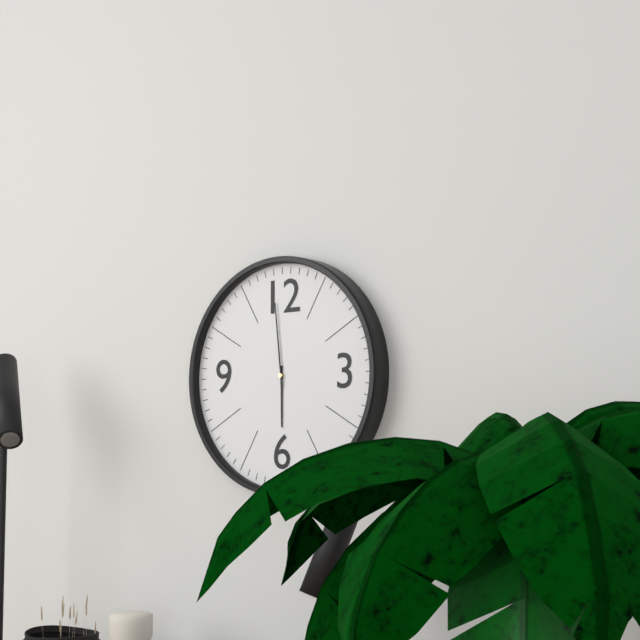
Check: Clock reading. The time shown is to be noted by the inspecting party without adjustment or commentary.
5:59
